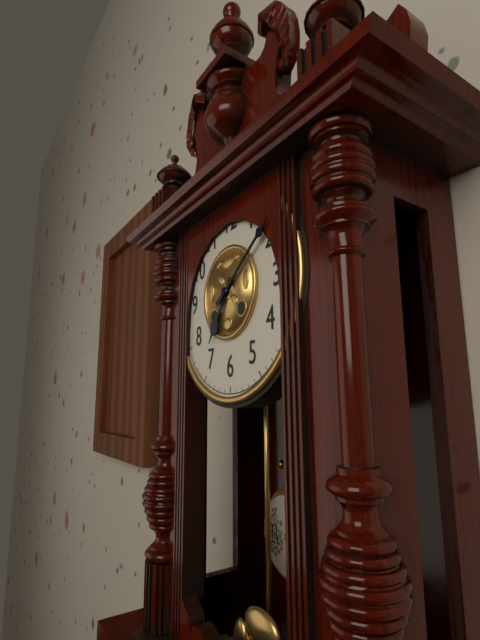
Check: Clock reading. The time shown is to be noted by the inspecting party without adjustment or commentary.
7:09
